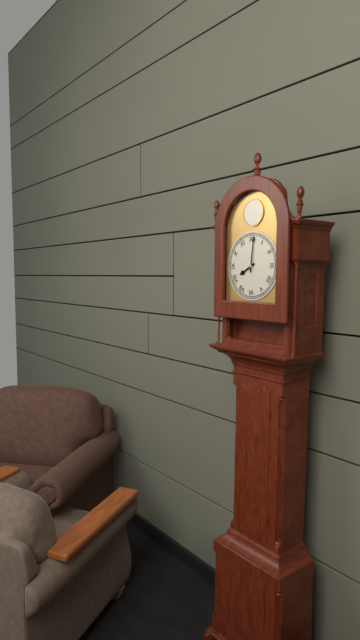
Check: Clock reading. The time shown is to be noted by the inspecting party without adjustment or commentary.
8:01
